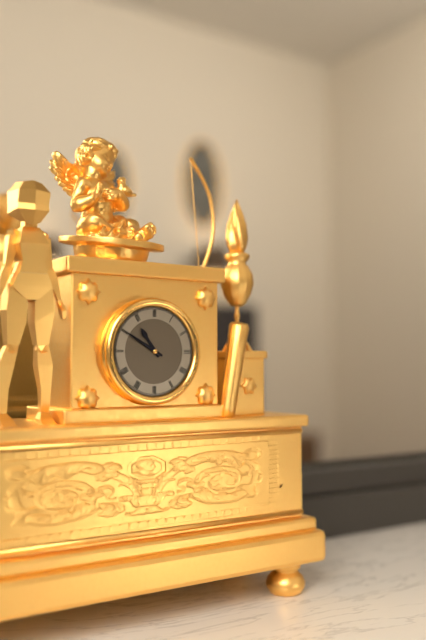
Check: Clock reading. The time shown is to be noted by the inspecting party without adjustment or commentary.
10:50
